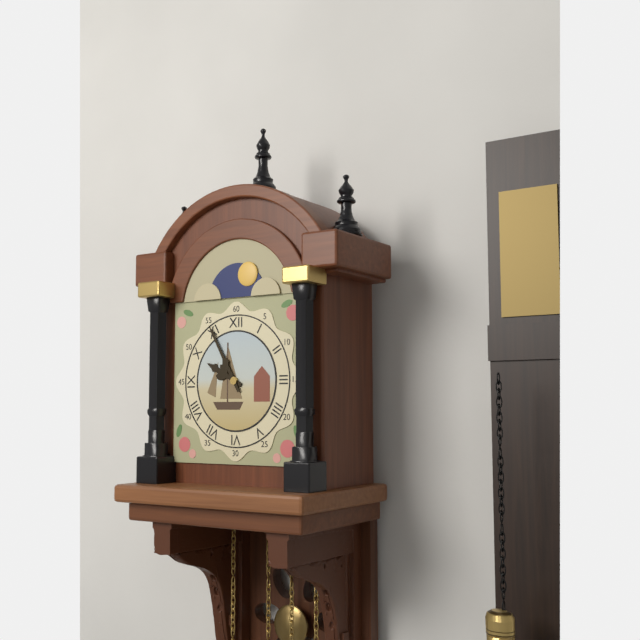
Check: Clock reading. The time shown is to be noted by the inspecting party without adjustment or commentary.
9:55
